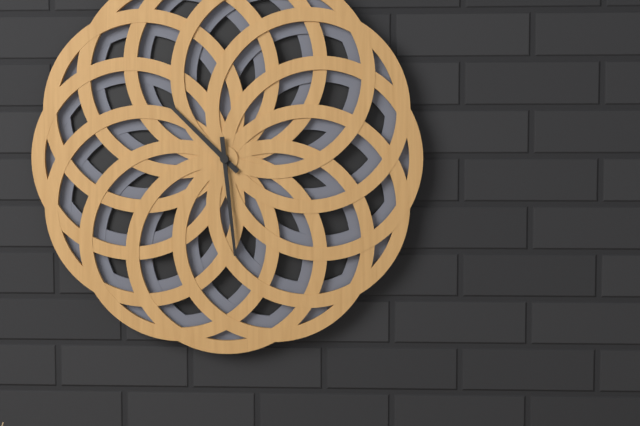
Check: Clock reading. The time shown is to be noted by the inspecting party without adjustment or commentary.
10:29
